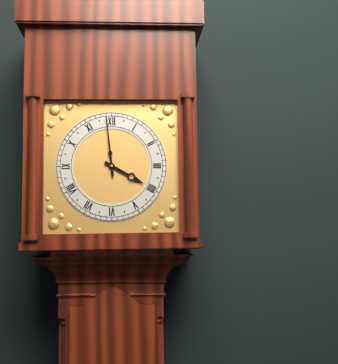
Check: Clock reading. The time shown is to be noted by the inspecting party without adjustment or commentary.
3:59
